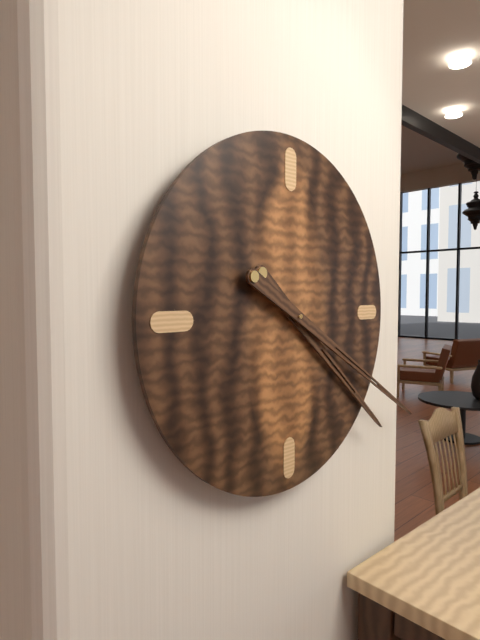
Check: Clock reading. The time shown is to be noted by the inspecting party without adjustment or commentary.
4:20
